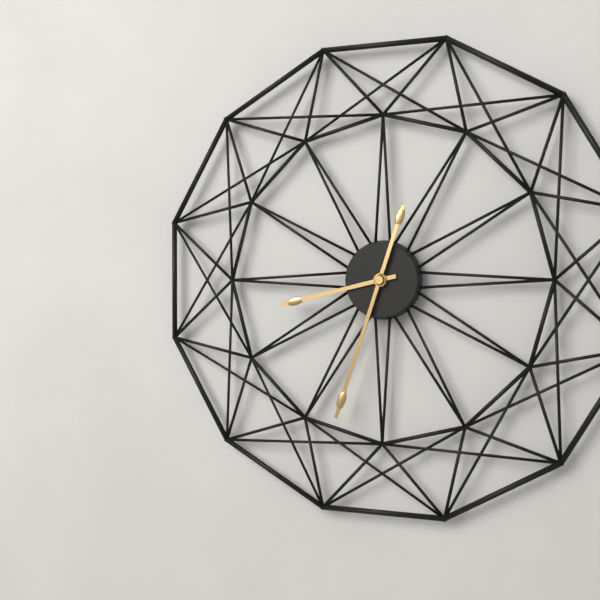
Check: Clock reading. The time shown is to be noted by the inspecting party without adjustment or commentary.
8:33
